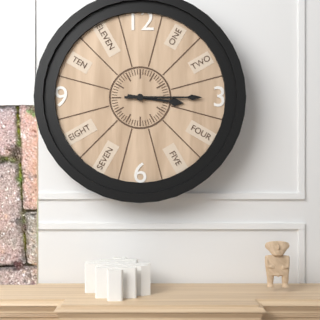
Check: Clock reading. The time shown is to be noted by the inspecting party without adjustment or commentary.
3:15
